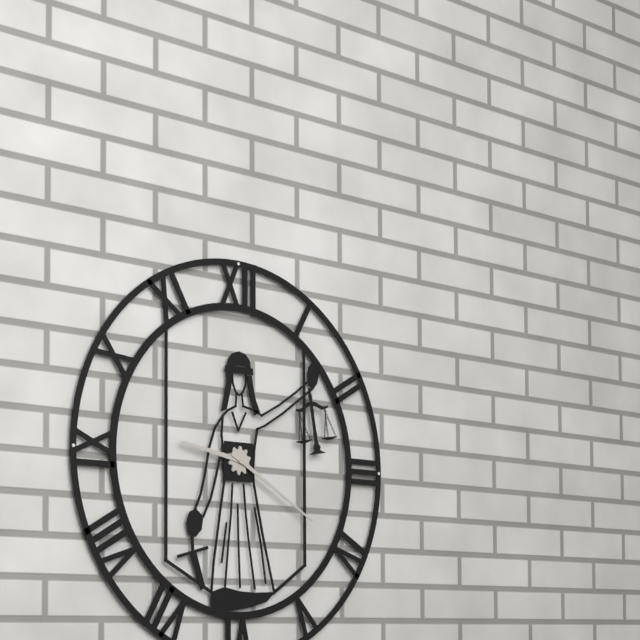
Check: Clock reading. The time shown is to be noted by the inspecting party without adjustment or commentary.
9:20
